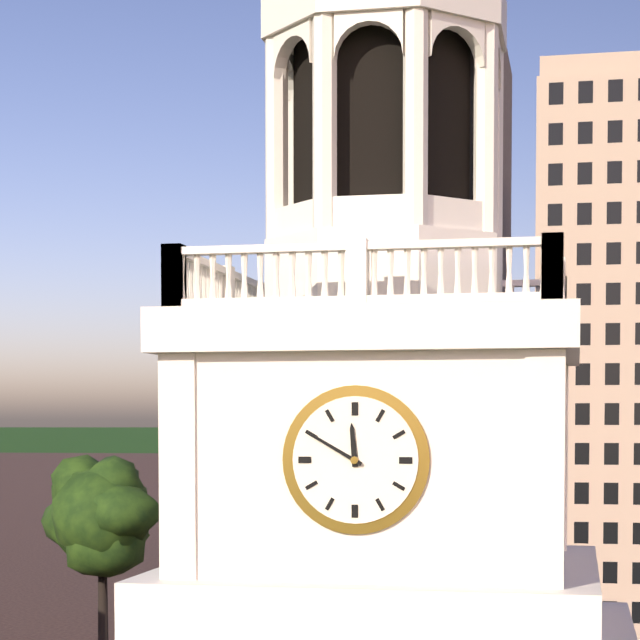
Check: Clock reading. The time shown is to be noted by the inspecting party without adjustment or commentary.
11:50
